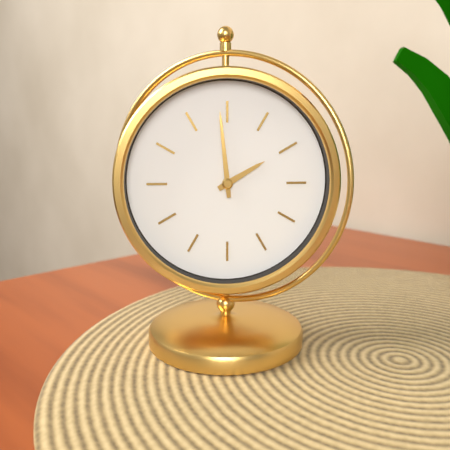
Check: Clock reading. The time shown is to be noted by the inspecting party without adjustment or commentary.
1:59
